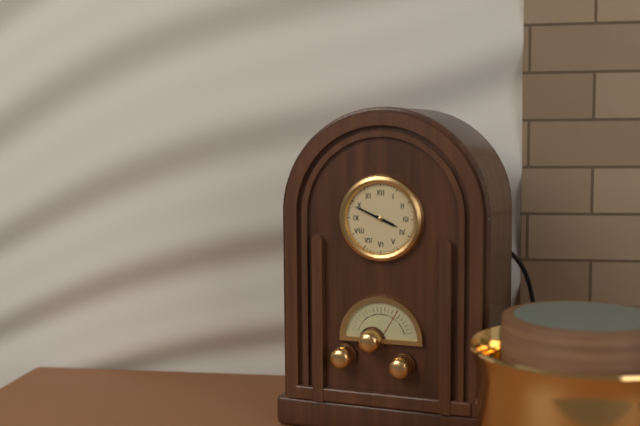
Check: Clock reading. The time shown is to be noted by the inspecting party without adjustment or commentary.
3:49
